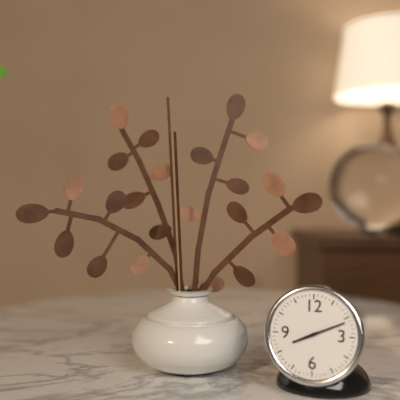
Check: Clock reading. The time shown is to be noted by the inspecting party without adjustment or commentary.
8:11
